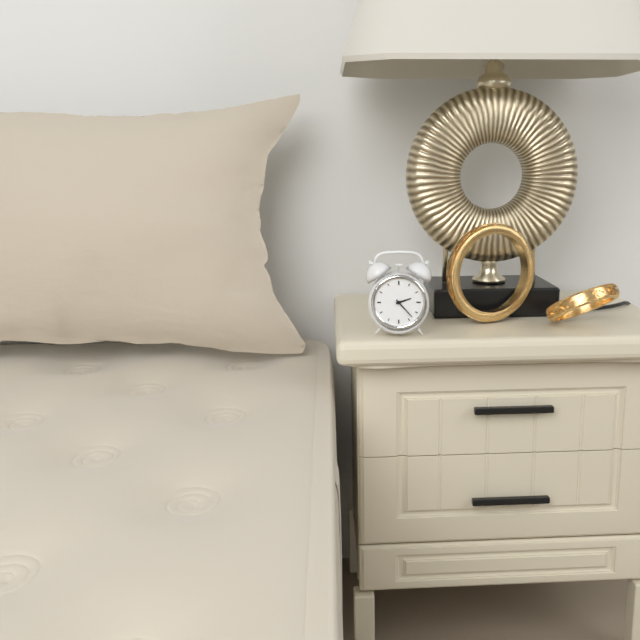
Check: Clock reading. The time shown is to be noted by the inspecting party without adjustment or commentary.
2:23
